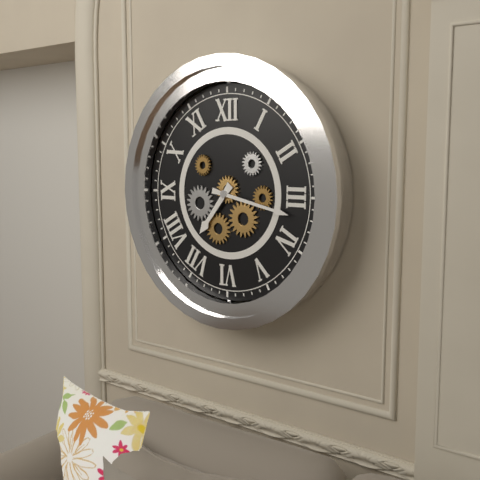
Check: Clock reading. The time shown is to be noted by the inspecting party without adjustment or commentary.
7:17
